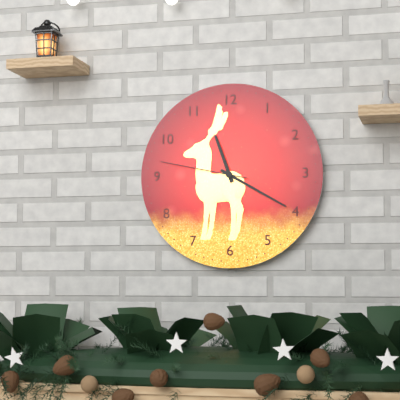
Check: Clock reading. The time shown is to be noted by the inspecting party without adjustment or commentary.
11:20:47
